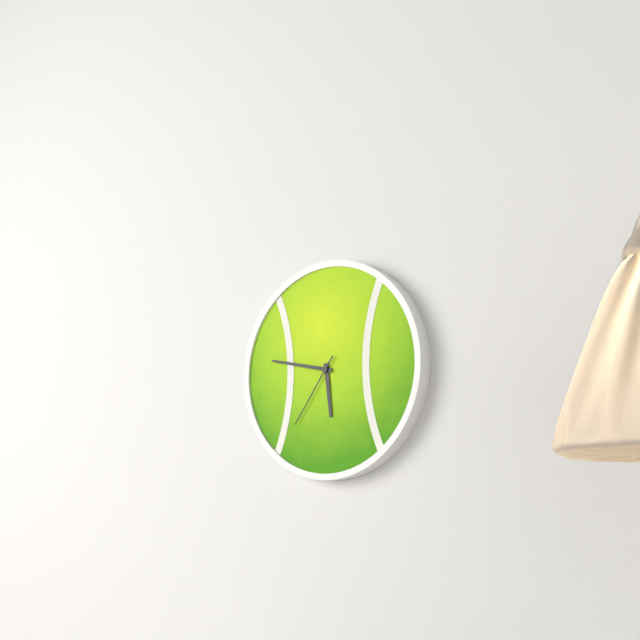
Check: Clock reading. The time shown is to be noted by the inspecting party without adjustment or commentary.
5:47:36
